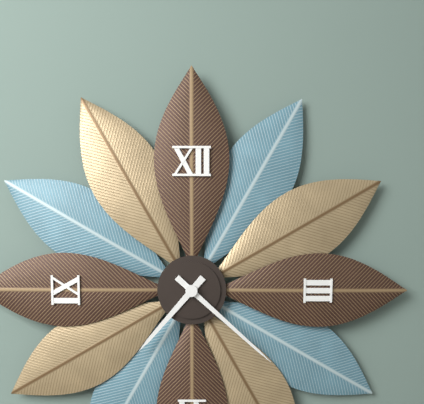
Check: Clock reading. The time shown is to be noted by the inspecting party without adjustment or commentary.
7:22
